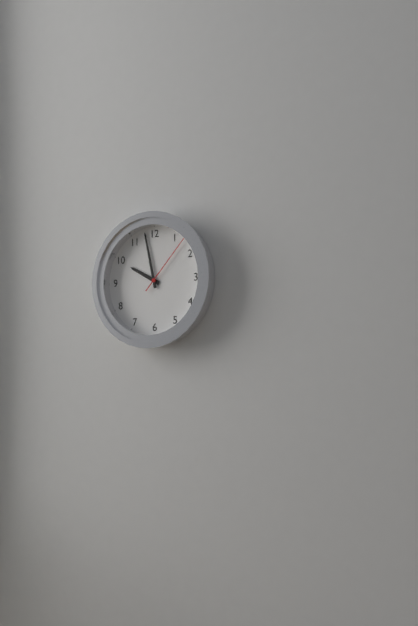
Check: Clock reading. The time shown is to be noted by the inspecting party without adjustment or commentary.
9:58:07
